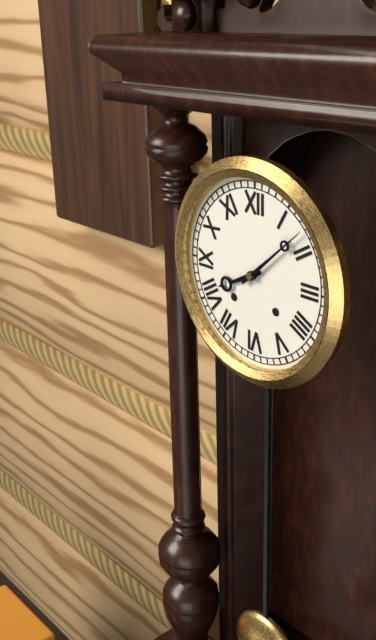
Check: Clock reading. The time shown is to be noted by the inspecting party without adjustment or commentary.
8:08
